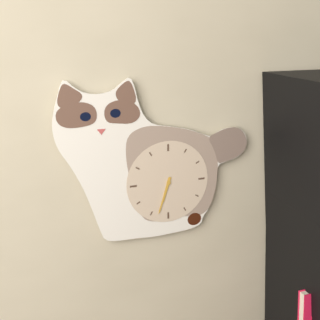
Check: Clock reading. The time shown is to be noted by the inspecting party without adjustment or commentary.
6:33
